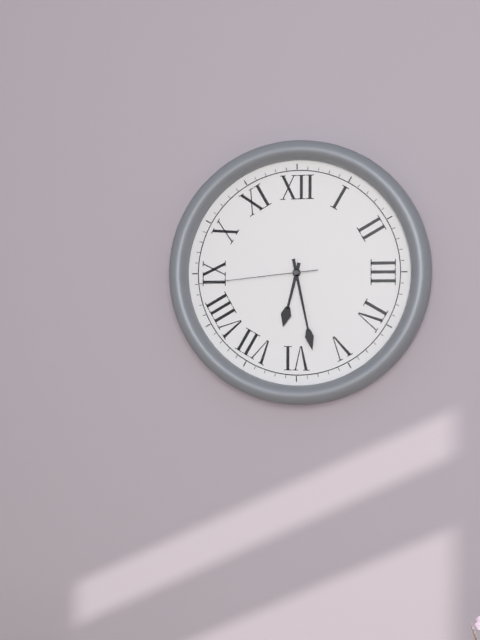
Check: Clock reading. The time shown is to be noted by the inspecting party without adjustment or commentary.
6:28:44
